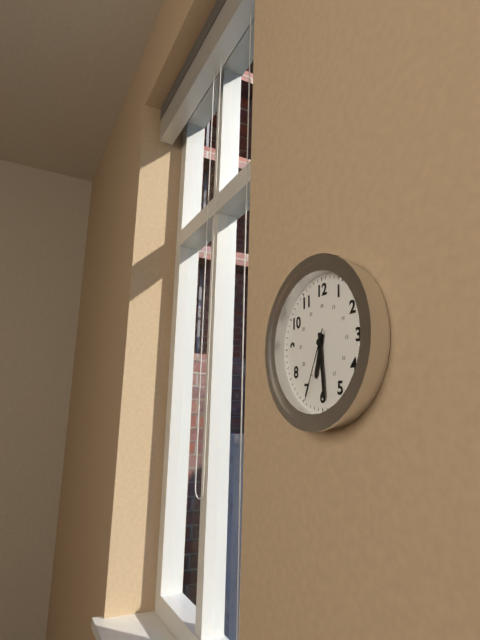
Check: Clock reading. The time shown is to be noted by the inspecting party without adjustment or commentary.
6:29:34
